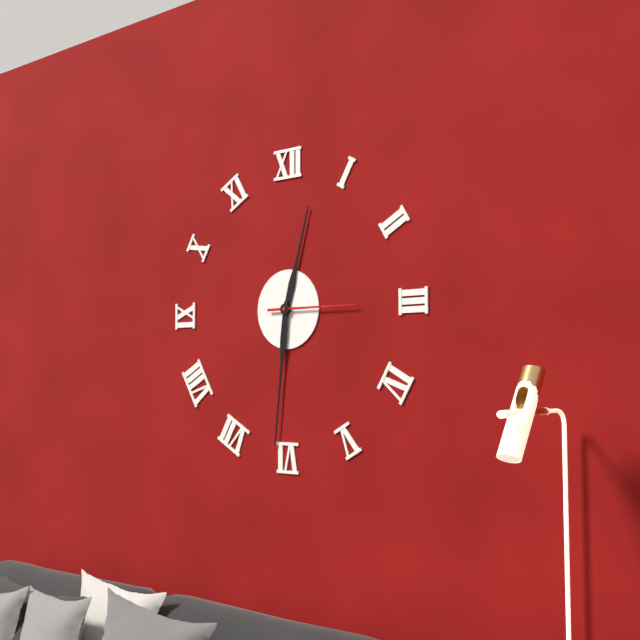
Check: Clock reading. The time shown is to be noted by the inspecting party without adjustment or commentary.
12:31:15
